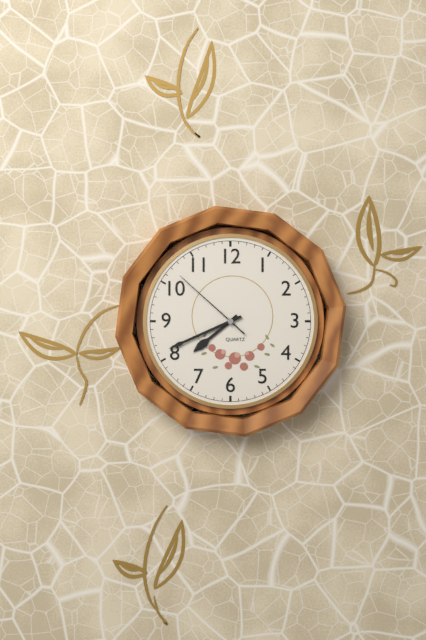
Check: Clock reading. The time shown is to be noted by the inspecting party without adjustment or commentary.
7:41:52
